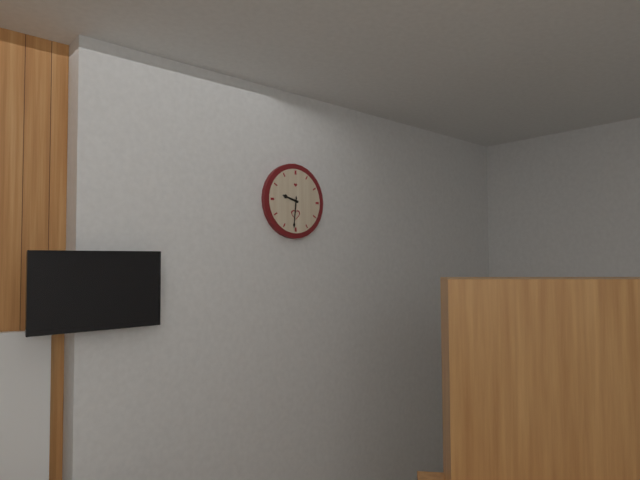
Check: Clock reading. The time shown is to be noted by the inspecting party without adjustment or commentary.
9:31
